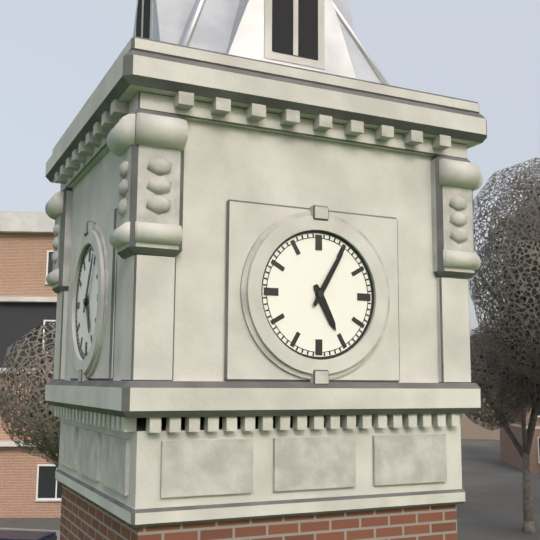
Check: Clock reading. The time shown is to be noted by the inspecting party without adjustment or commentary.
5:05
